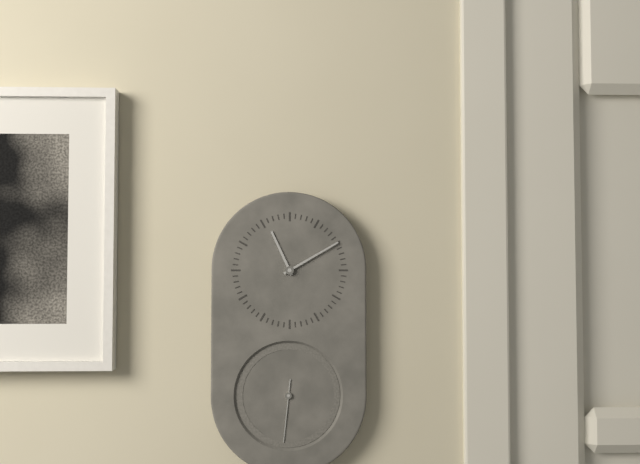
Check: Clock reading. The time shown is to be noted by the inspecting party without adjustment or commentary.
11:10:31
